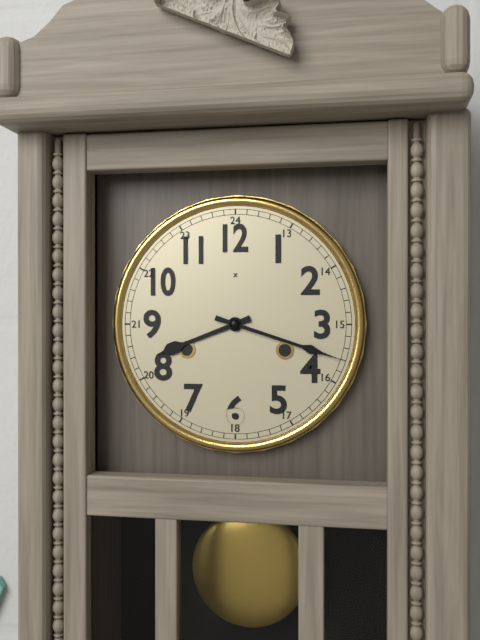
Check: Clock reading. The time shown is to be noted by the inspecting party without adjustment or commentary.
8:18
